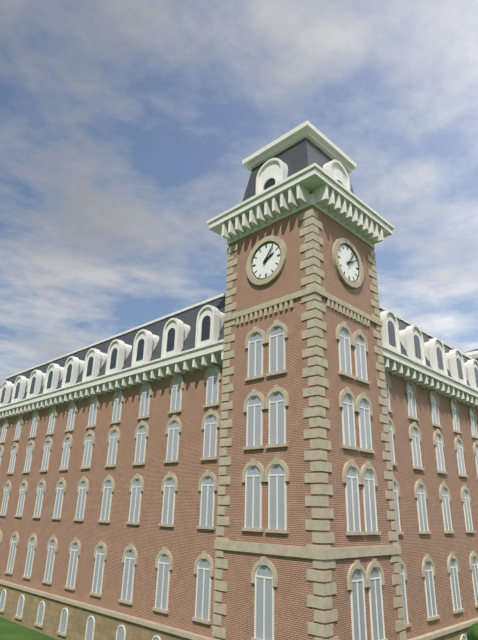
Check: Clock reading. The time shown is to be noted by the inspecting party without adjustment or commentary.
2:06
